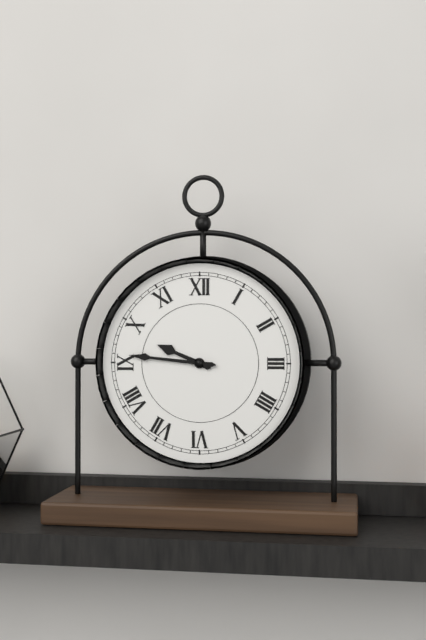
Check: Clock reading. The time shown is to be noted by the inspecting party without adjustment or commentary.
9:46
